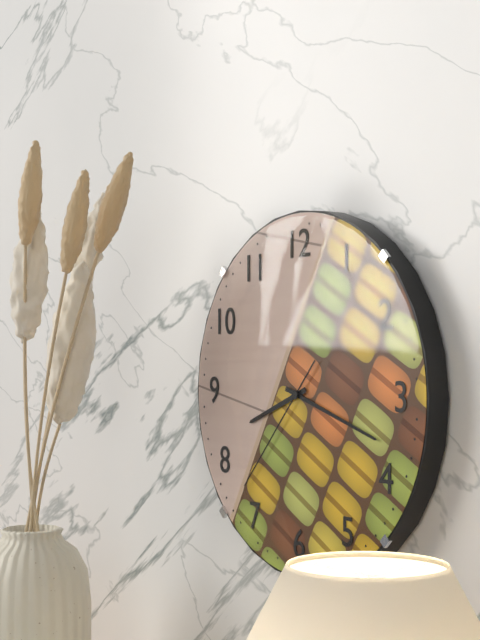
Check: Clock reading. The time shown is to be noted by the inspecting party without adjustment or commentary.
8:18:37
